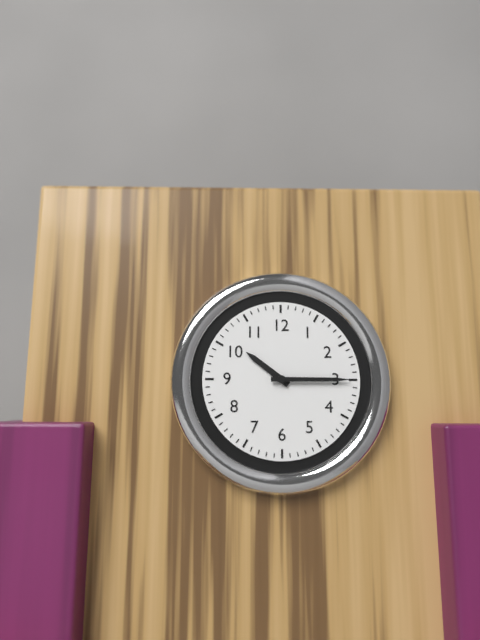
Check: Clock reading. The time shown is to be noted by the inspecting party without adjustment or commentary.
10:15
